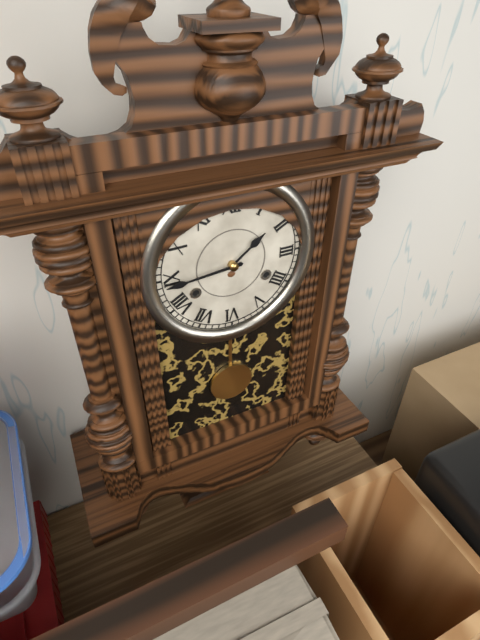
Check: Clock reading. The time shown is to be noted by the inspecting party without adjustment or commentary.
1:44
